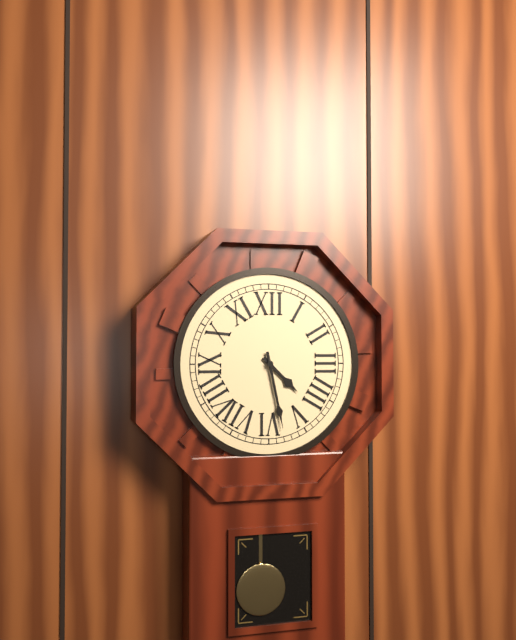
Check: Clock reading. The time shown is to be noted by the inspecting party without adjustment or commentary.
4:28
